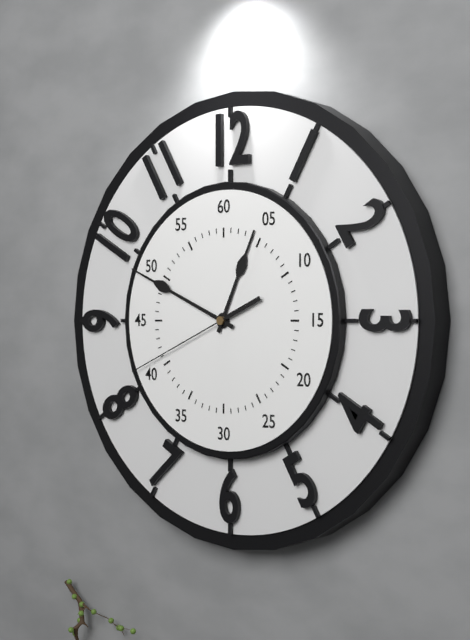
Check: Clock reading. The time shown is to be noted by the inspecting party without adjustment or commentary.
12:49:41
